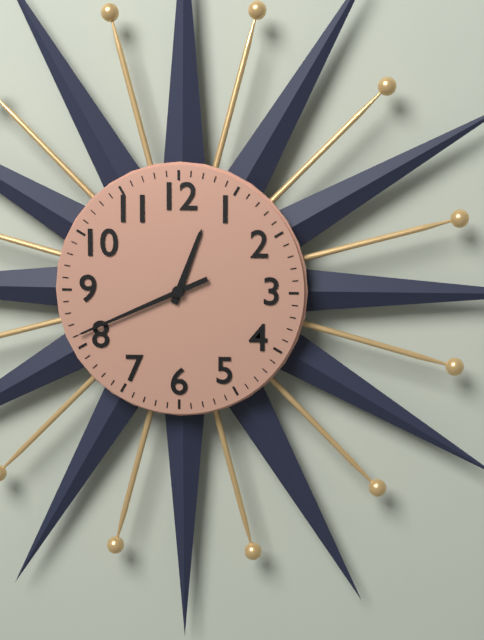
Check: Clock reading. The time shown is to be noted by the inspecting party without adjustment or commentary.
12:41
